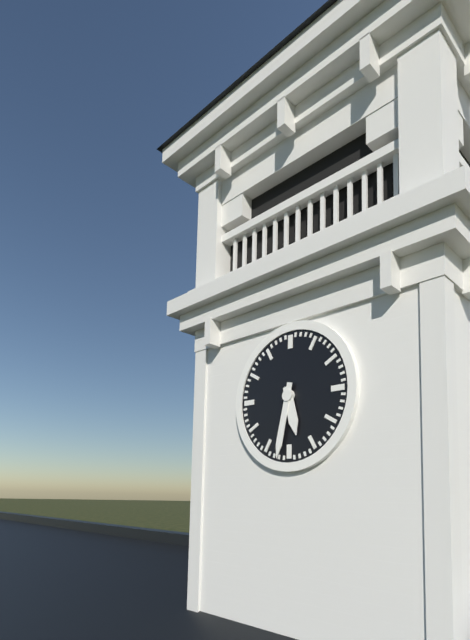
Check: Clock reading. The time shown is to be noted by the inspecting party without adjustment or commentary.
5:32
